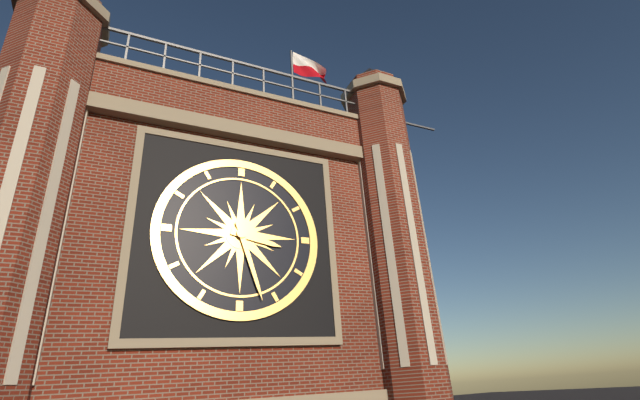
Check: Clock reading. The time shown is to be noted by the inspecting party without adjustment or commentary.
3:27
